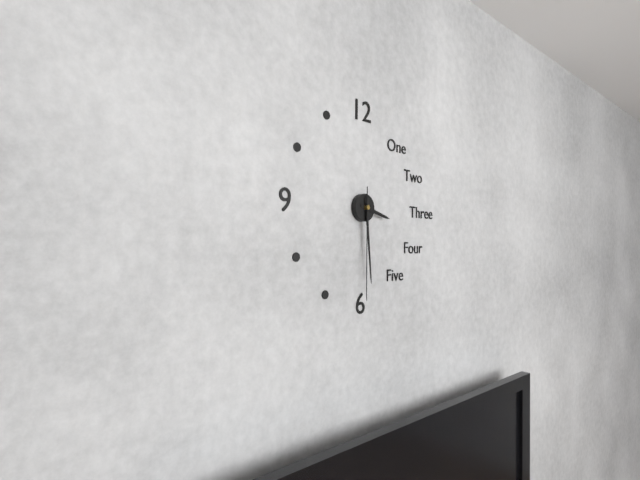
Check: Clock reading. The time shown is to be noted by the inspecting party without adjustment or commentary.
3:29:30
